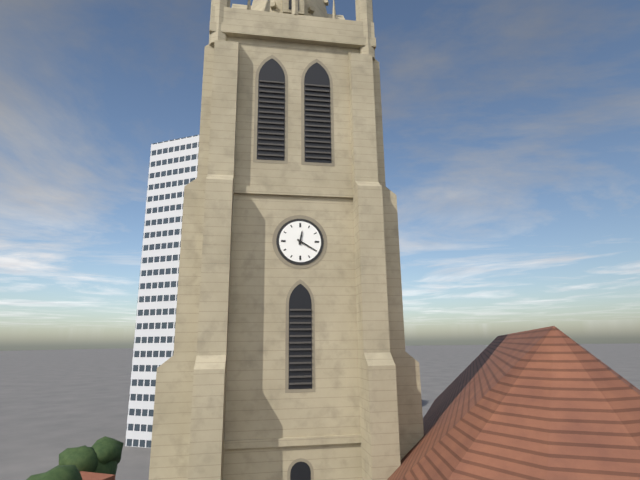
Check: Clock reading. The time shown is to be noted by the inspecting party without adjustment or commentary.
12:20
